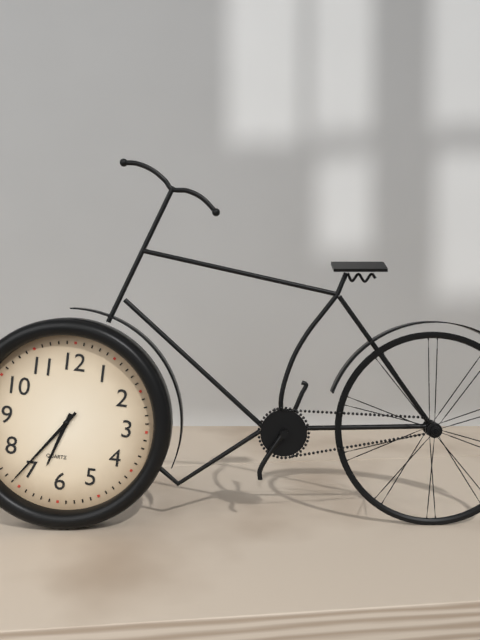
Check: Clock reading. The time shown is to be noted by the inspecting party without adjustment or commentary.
6:36
